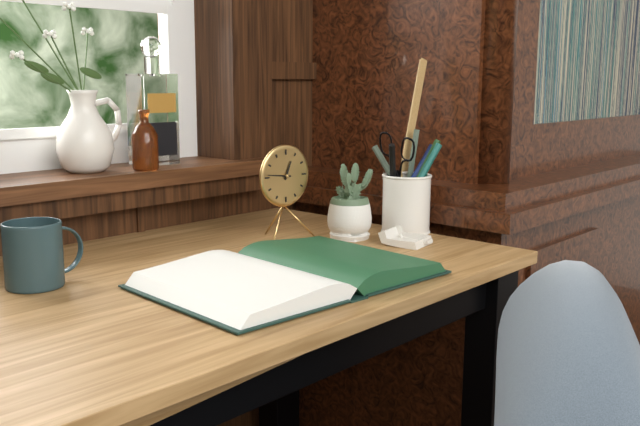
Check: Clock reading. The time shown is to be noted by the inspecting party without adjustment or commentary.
12:46
